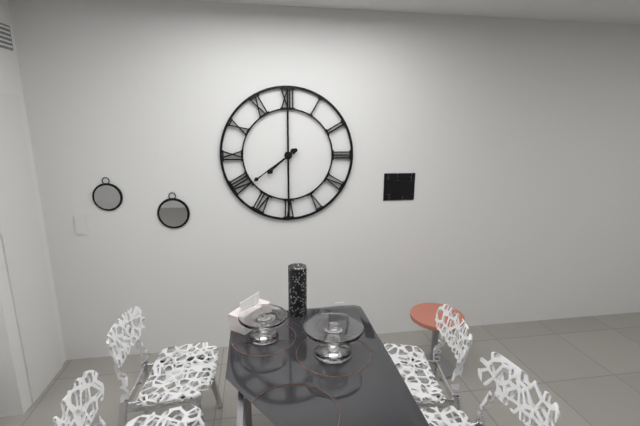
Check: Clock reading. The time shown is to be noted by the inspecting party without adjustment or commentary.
7:39
